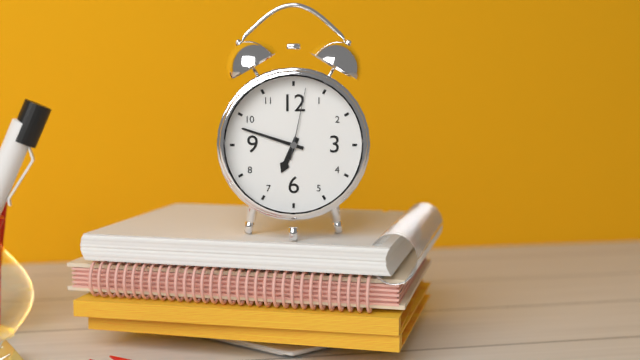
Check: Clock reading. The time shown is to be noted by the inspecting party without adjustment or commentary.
6:48:02
